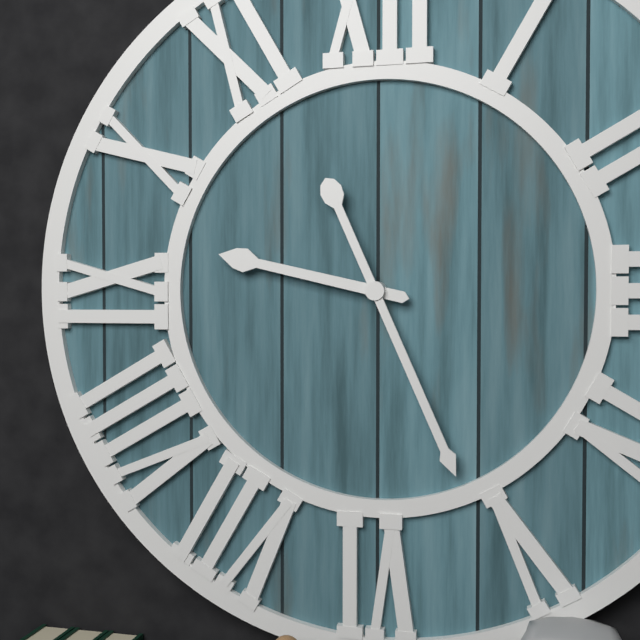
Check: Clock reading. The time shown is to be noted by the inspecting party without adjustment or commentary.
9:26
